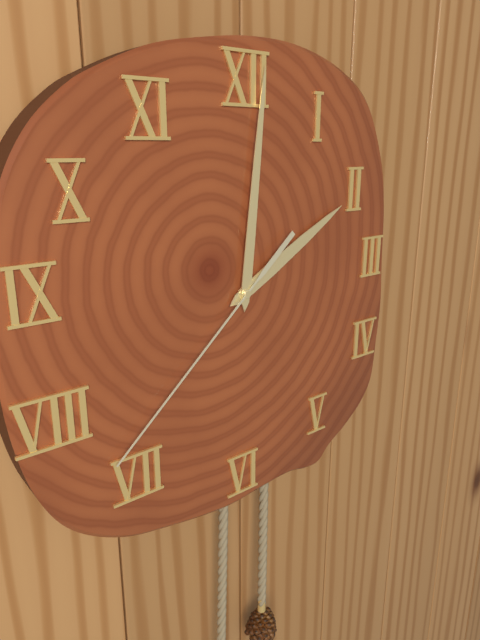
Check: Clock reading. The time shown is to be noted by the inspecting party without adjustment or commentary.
2:01:38
